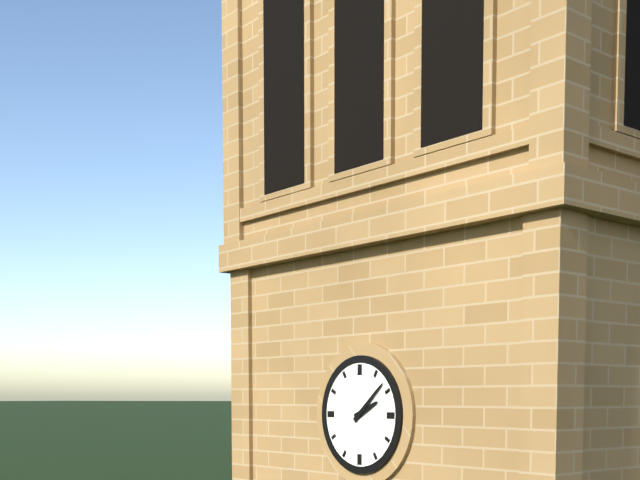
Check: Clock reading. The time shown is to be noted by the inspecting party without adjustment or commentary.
2:08
